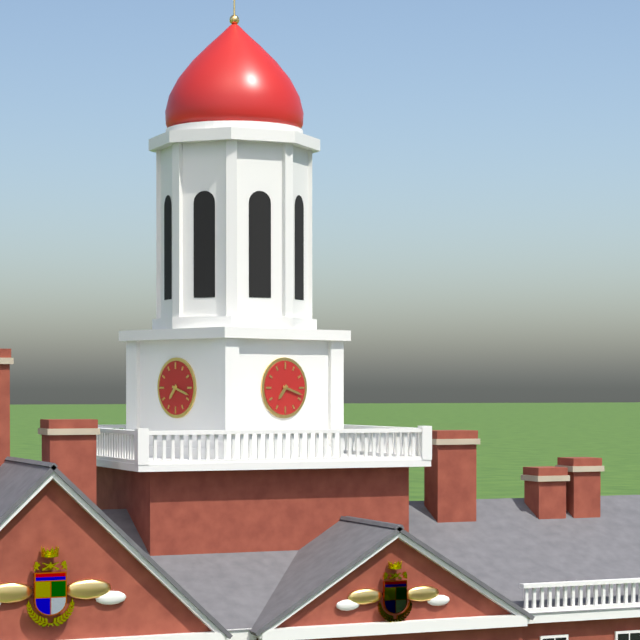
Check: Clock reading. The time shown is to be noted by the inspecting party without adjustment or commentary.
7:18
